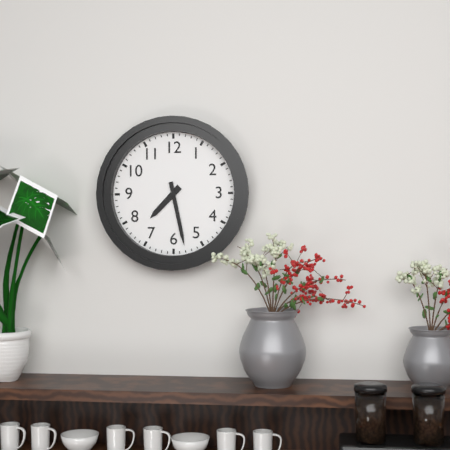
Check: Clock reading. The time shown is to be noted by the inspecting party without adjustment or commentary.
7:28
